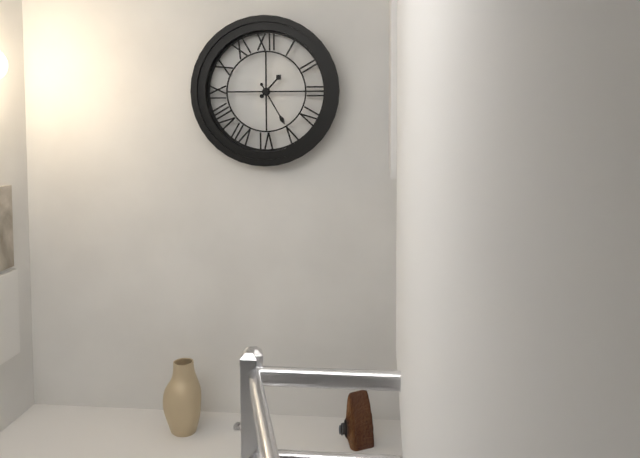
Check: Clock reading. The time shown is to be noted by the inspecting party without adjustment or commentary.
1:25
